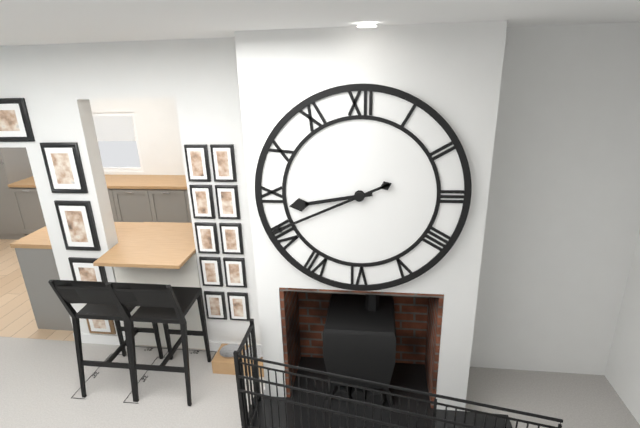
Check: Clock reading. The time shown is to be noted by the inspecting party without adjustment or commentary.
8:41
